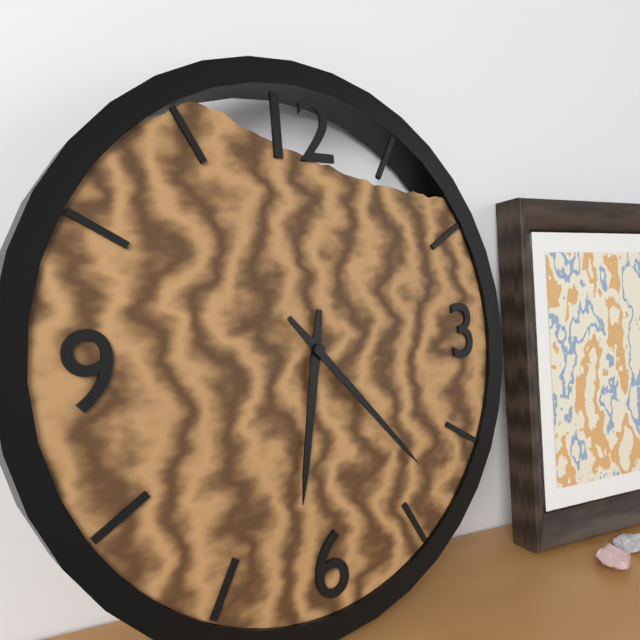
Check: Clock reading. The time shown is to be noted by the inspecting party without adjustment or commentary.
6:23
